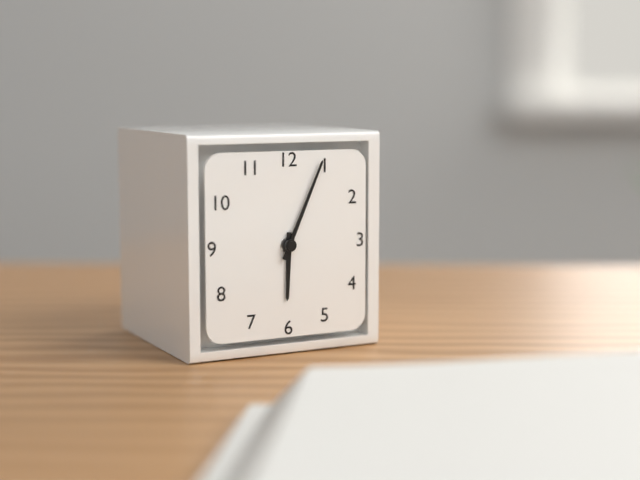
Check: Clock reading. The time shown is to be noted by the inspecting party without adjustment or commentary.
6:04
